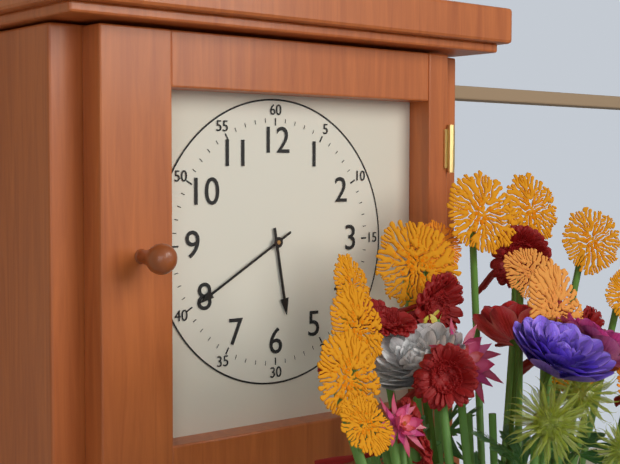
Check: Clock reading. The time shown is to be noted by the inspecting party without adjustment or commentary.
5:40
